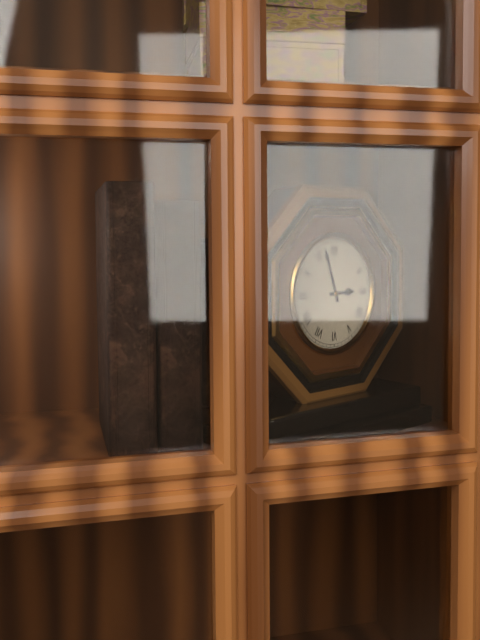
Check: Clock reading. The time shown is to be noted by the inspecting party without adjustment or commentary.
2:57
